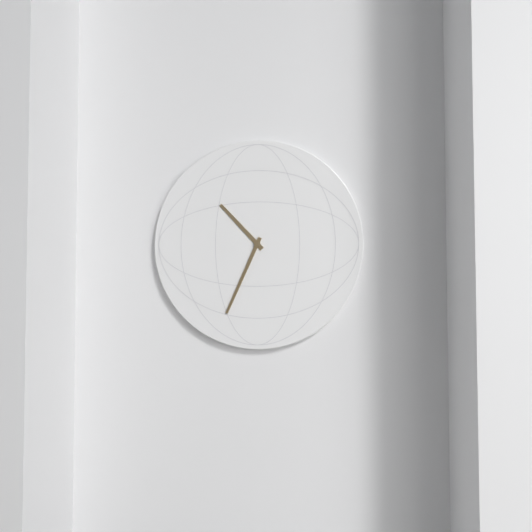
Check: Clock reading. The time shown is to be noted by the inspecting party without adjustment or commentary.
10:34
